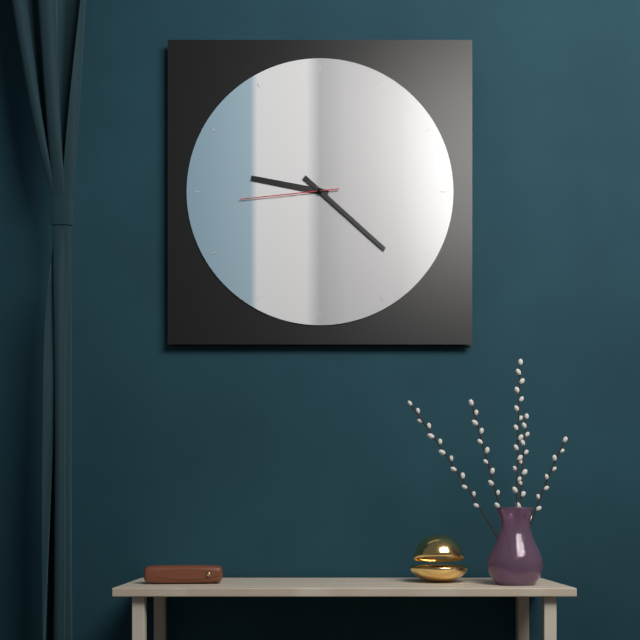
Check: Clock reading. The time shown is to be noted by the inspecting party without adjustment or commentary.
9:22:44
